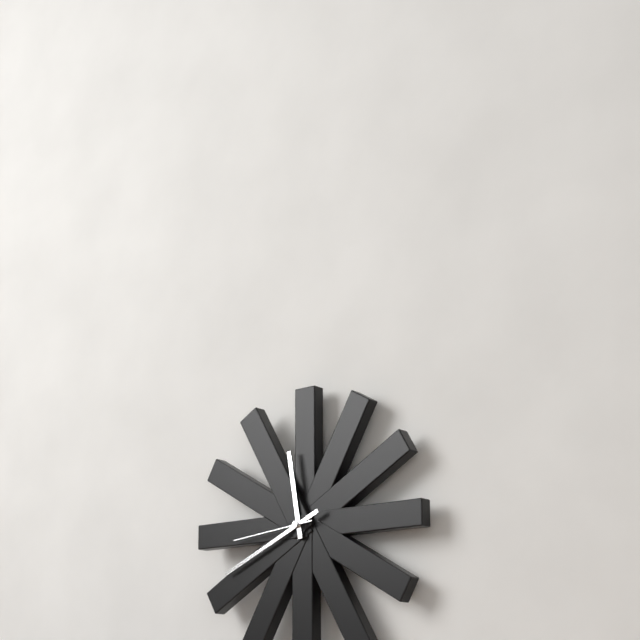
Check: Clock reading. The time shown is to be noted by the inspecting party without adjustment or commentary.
11:41:44
